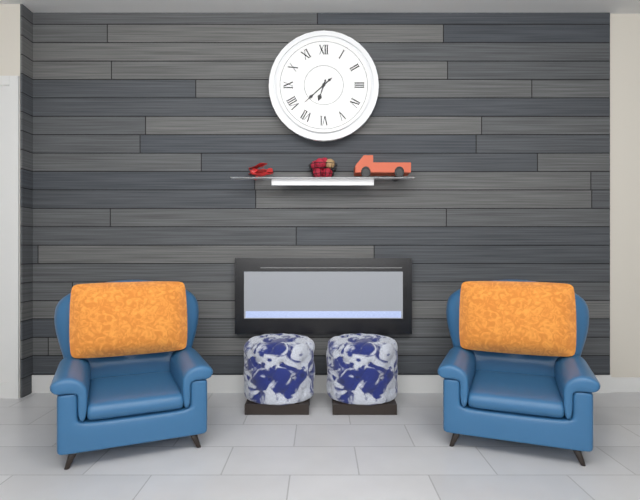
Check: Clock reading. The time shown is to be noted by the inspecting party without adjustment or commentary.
6:38
